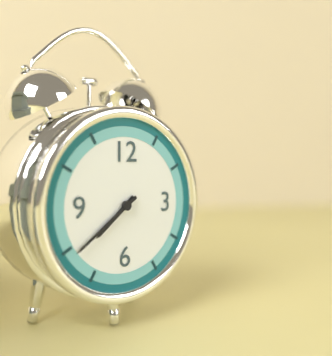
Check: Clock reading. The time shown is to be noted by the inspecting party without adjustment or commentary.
7:39
